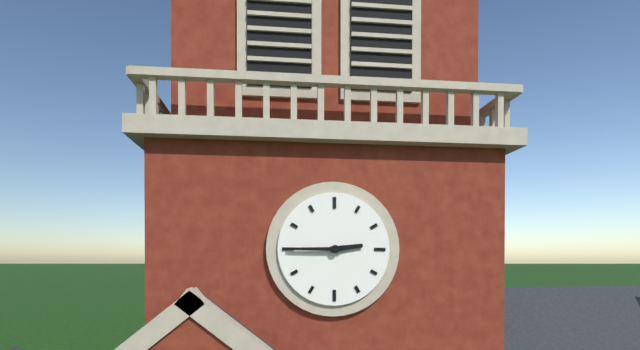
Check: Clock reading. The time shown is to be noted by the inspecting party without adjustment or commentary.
2:45
